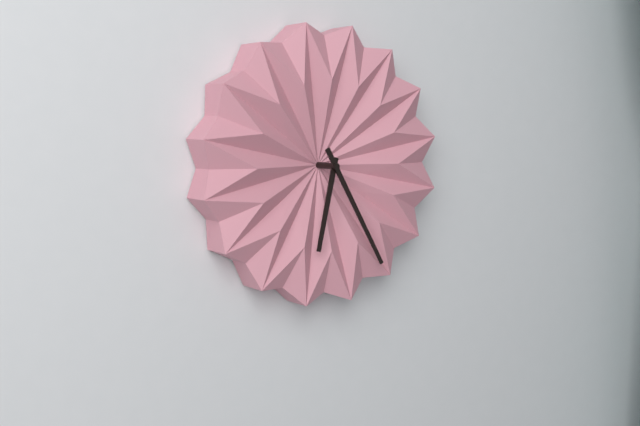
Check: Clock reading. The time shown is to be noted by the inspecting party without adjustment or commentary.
6:25
